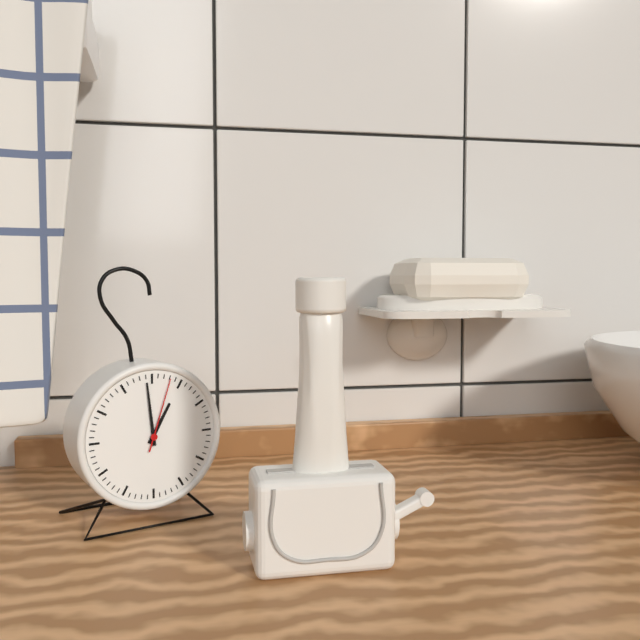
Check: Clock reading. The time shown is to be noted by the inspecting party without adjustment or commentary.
12:59:03
